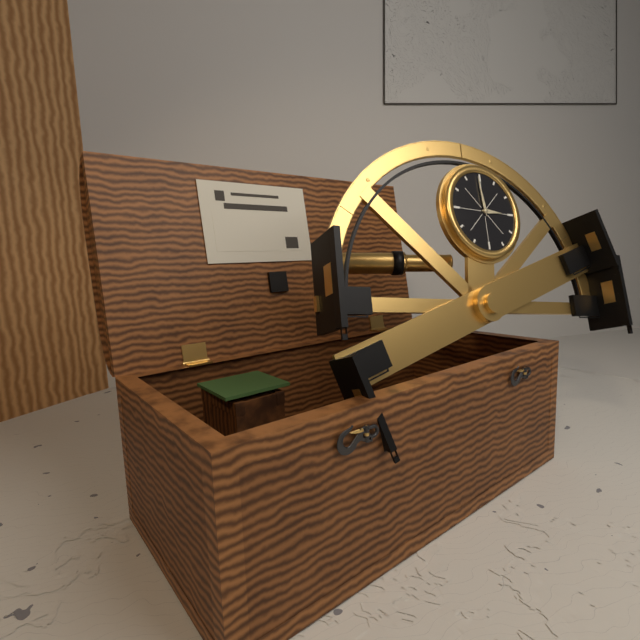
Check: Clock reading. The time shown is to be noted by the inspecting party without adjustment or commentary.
2:59
